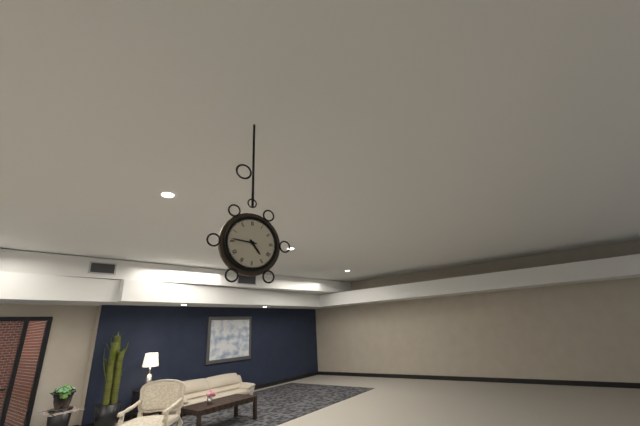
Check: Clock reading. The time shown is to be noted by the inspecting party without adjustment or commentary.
4:46
